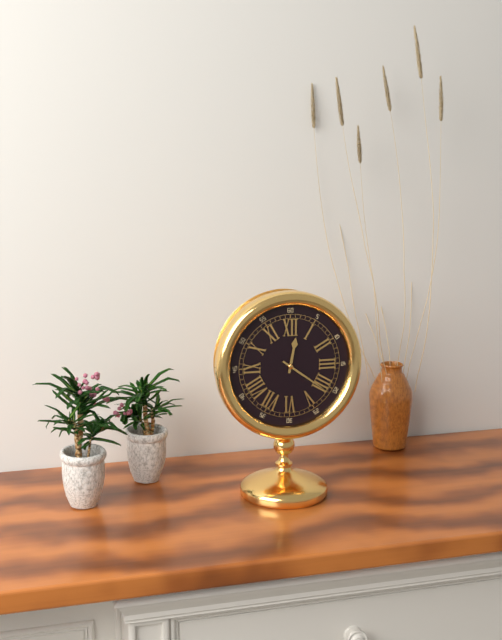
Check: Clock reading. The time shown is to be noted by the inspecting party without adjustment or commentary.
12:21
